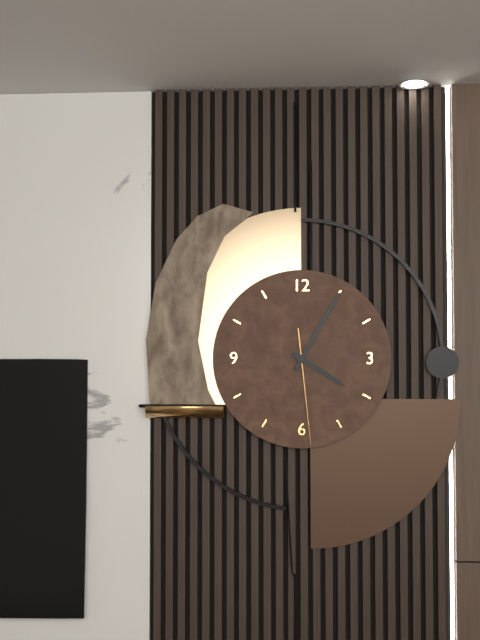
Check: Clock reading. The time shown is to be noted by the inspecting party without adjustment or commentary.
4:05:29
